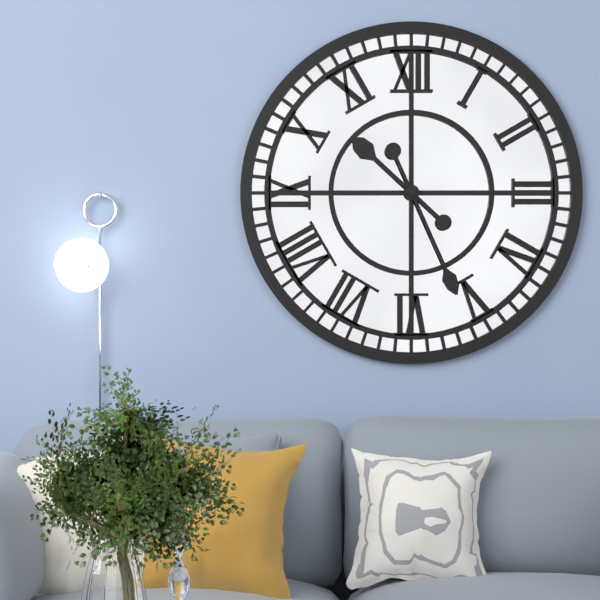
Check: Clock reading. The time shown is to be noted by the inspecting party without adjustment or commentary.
10:26
